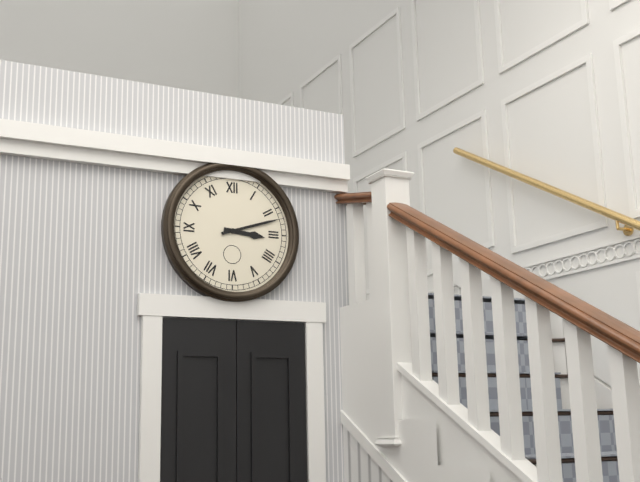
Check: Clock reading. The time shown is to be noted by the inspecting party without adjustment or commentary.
3:12
